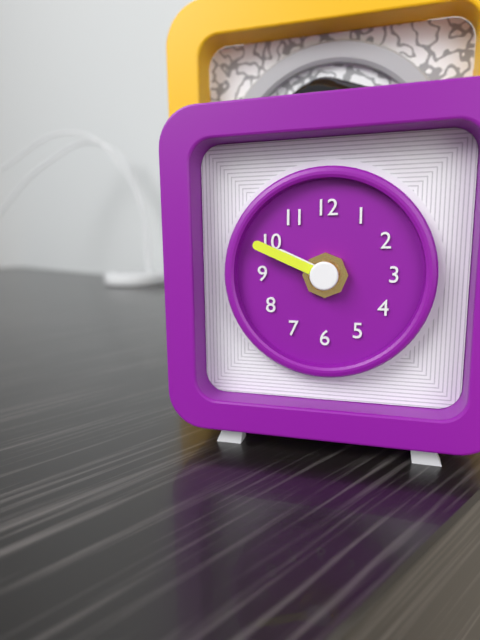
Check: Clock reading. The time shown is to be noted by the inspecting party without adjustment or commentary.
9:49
